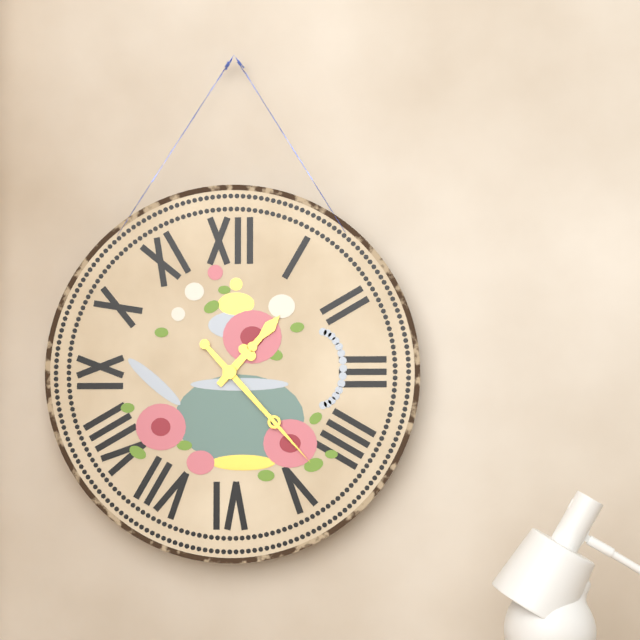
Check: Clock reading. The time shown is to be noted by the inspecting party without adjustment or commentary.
1:23
